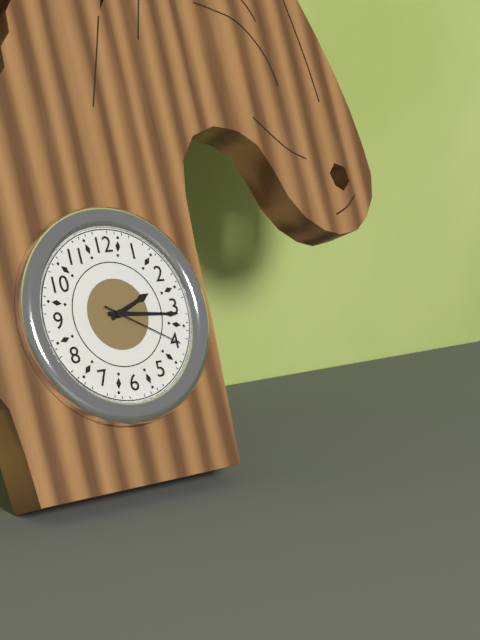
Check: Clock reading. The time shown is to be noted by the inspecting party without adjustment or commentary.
2:16:20
